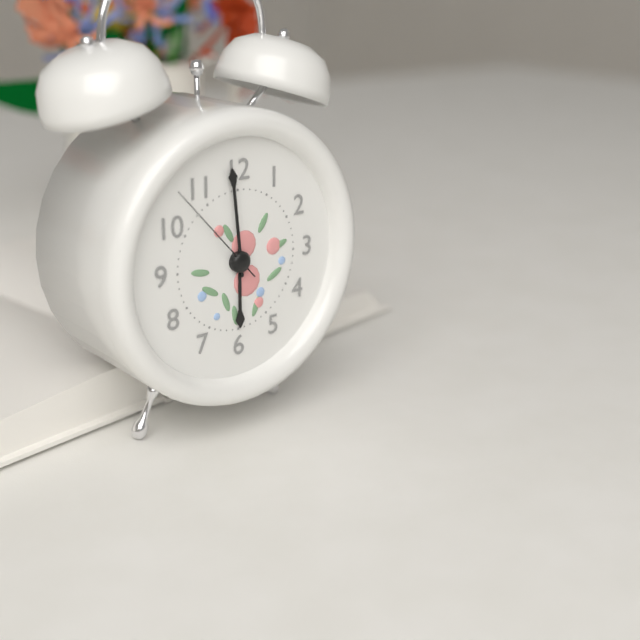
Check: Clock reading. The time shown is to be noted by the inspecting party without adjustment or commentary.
5:59:53
